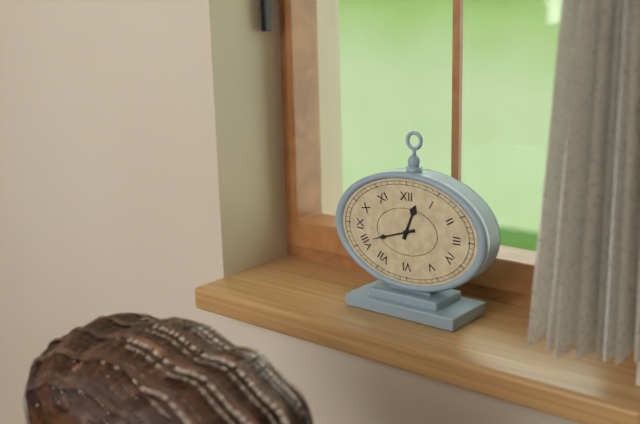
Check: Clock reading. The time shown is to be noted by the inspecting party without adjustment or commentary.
12:42
